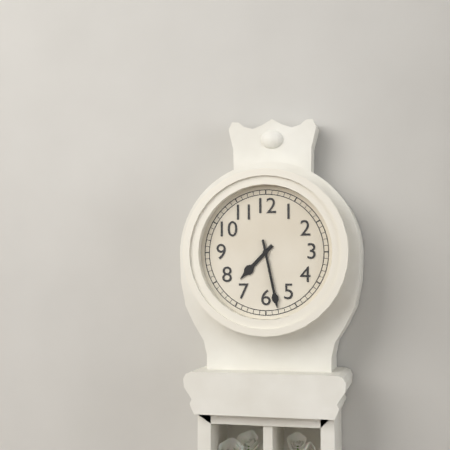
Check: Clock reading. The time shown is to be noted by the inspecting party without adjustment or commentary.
7:28
